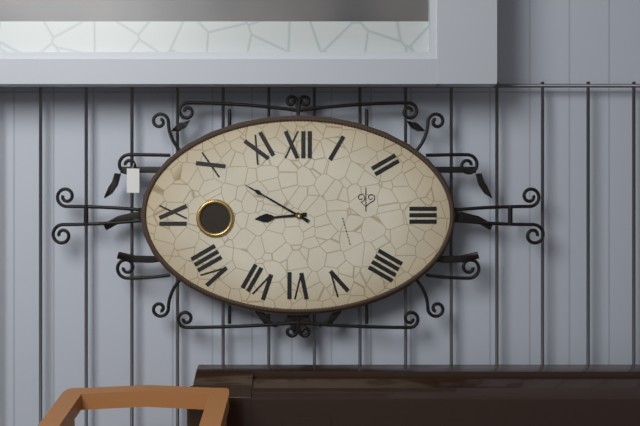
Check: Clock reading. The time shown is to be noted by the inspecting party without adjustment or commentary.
8:50
